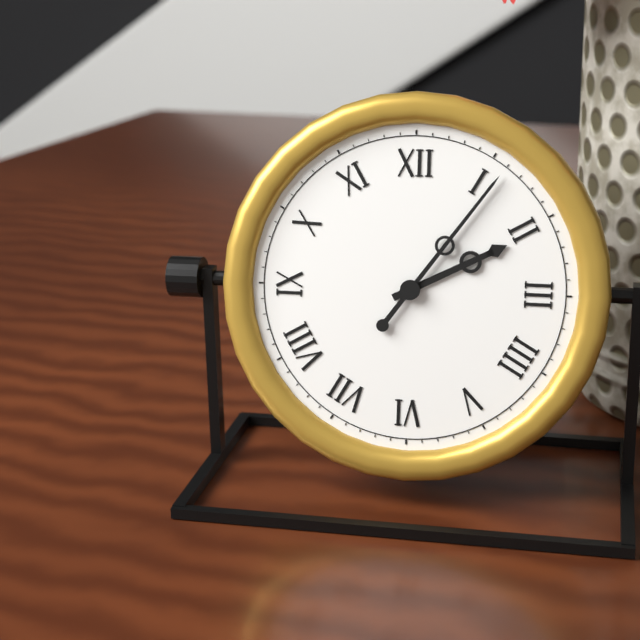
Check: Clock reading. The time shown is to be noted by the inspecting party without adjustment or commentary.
2:06
